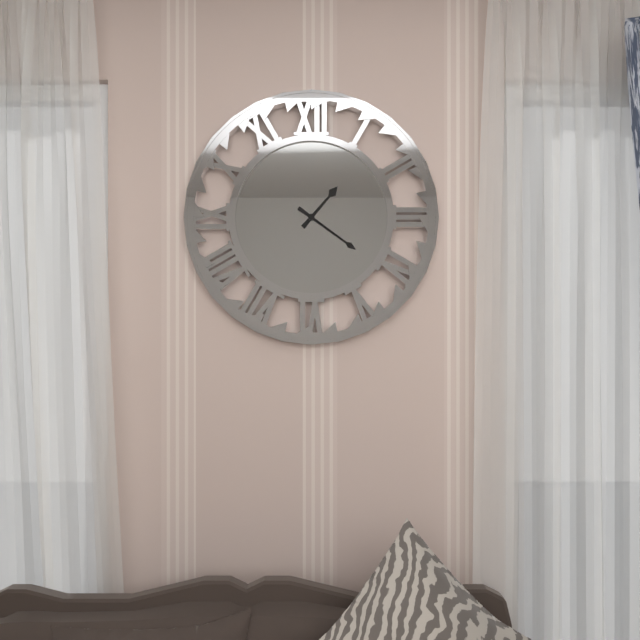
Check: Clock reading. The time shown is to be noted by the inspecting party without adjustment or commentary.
1:21
